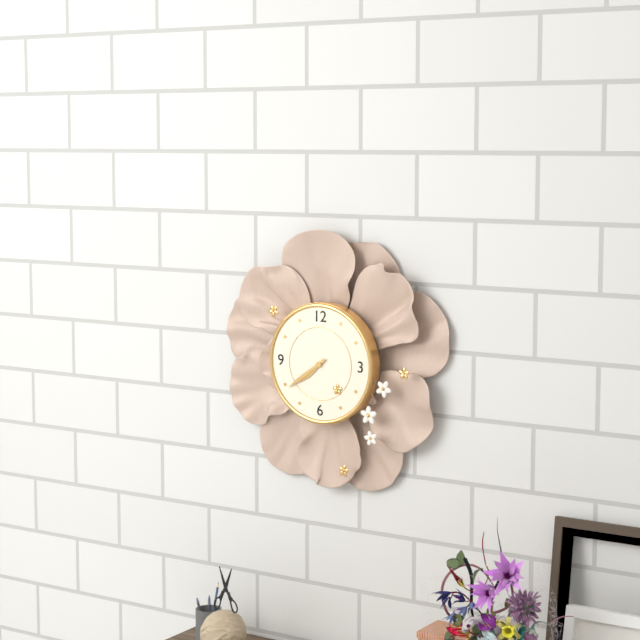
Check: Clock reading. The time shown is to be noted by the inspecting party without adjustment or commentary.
7:39
